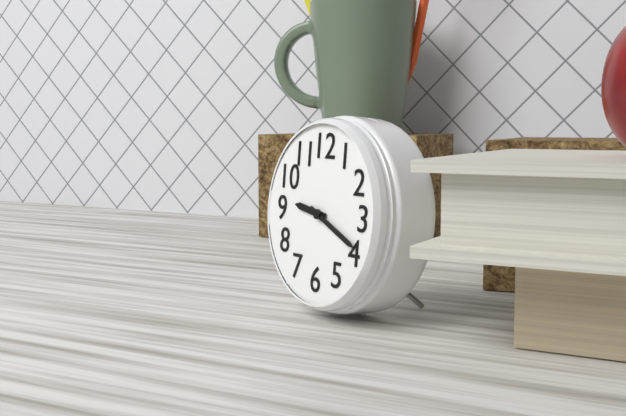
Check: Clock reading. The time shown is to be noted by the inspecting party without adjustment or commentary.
9:19
